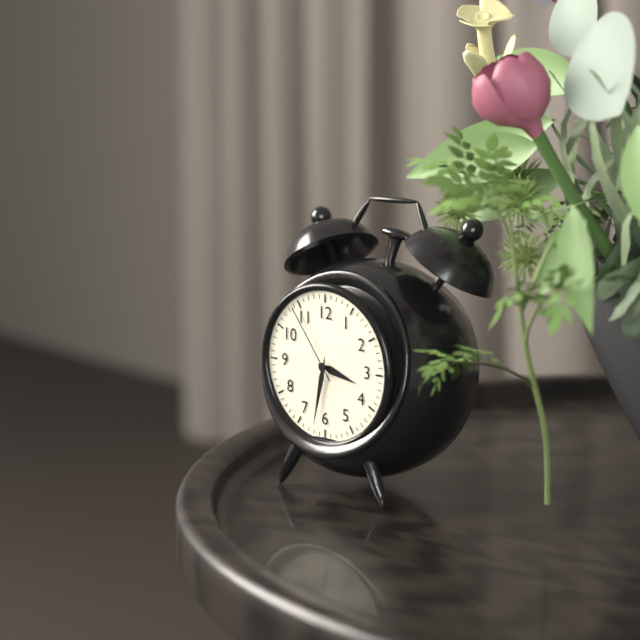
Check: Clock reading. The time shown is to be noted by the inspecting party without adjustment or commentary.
3:32:54
